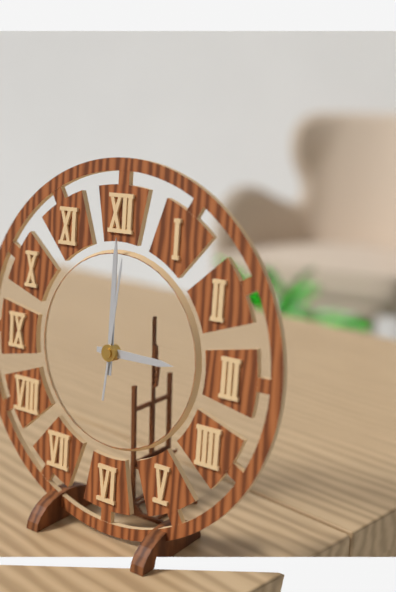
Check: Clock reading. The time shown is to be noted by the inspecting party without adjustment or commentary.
3:00:01
